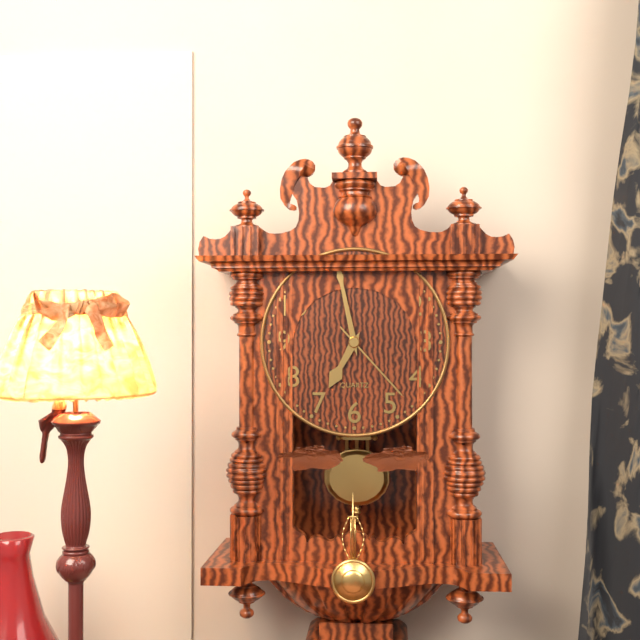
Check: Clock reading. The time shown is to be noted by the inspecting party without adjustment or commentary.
6:58:23
